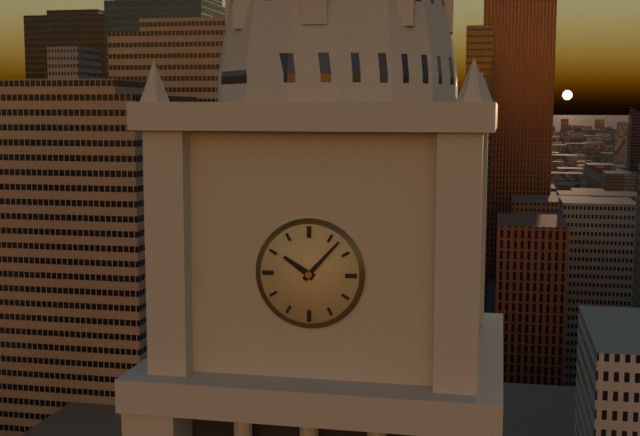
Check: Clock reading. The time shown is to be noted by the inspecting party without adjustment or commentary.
10:07
